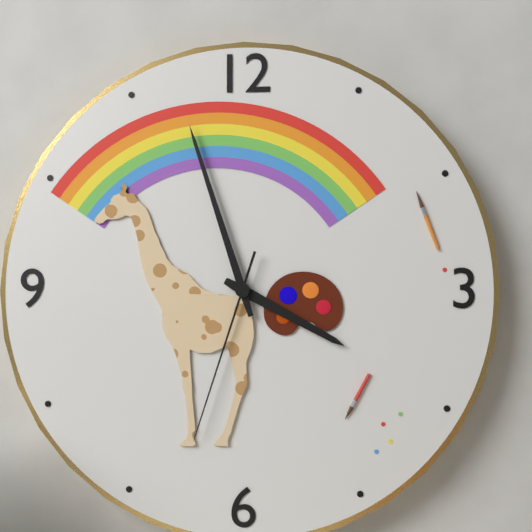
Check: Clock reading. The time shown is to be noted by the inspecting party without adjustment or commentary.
3:57:33
